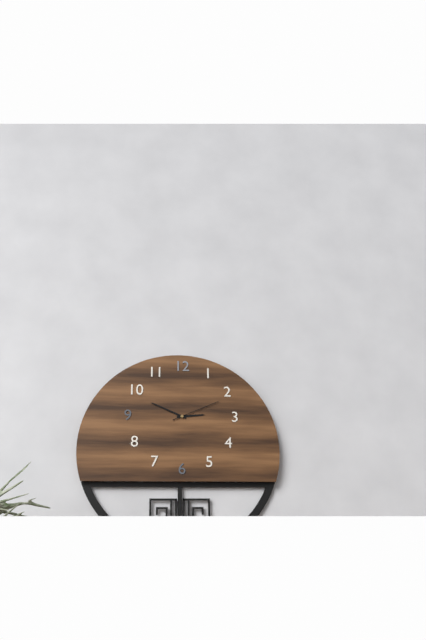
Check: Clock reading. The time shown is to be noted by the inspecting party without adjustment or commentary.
2:49
